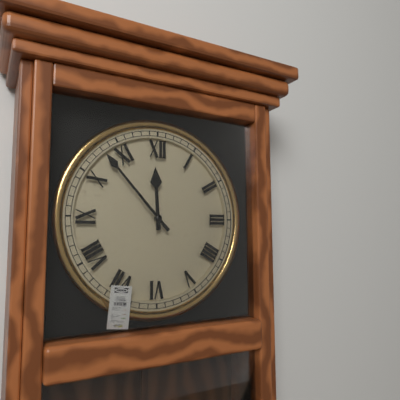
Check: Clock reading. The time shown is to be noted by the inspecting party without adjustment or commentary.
11:53
